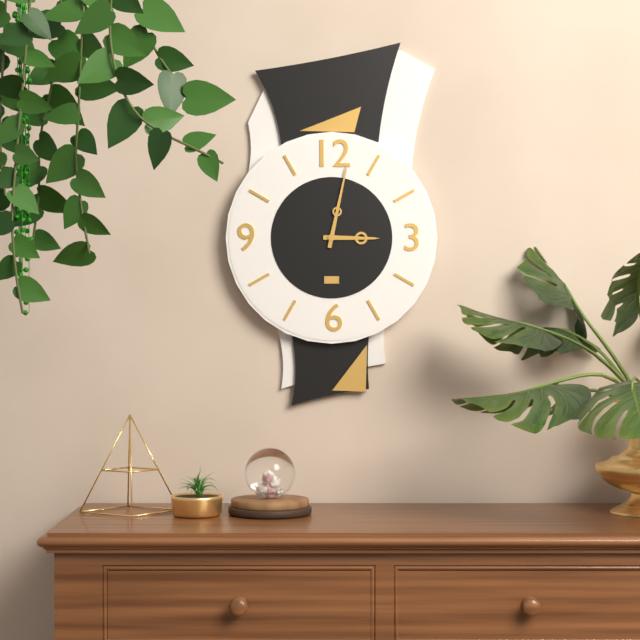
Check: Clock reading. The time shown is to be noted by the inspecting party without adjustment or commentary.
3:02
